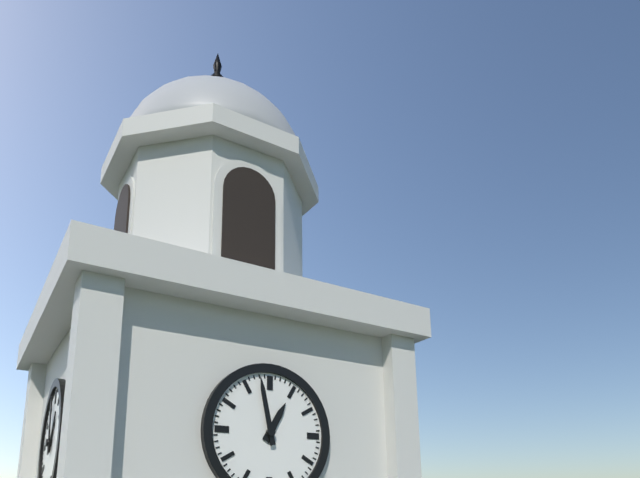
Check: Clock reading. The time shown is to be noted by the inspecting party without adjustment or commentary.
12:58
